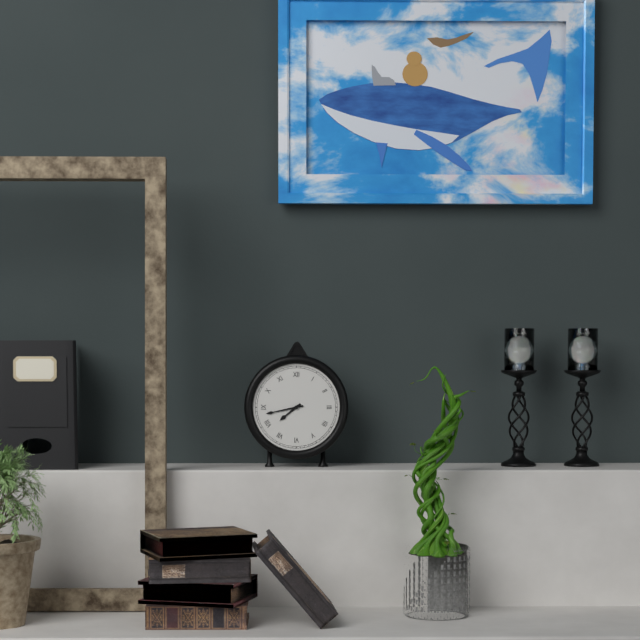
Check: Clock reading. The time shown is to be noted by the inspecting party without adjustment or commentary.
7:43
